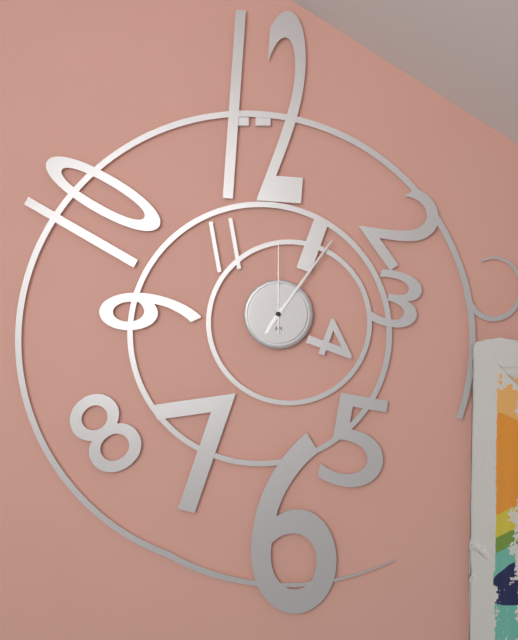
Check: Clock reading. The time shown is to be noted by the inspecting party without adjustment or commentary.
7:06:00
